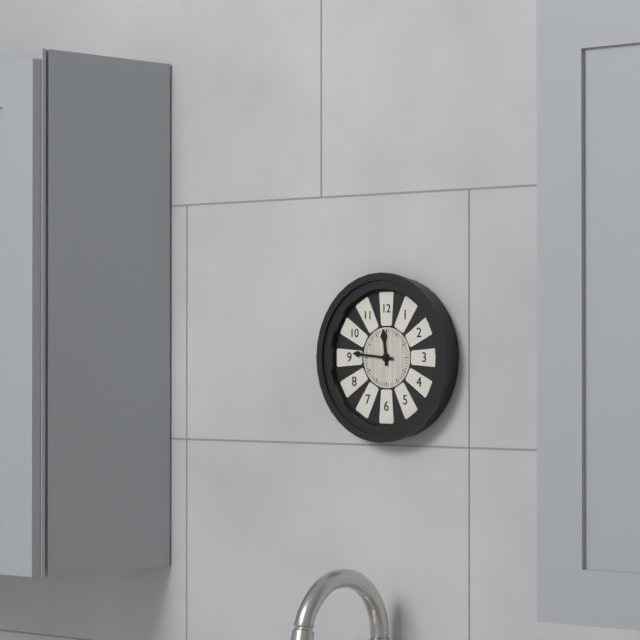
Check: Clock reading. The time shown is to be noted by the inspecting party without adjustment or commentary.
11:46
